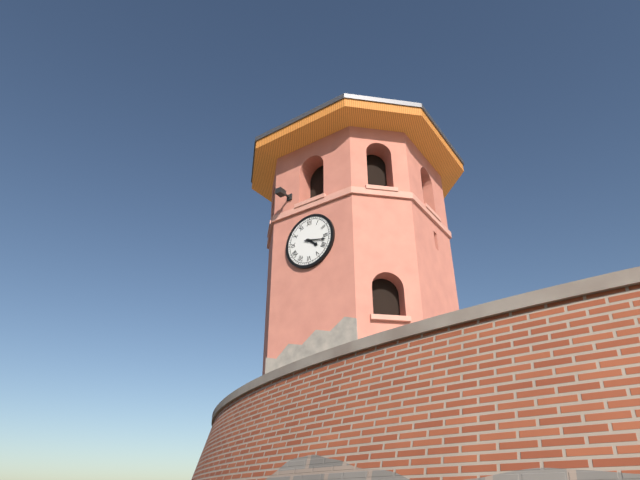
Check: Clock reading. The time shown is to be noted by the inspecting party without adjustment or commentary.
4:17
